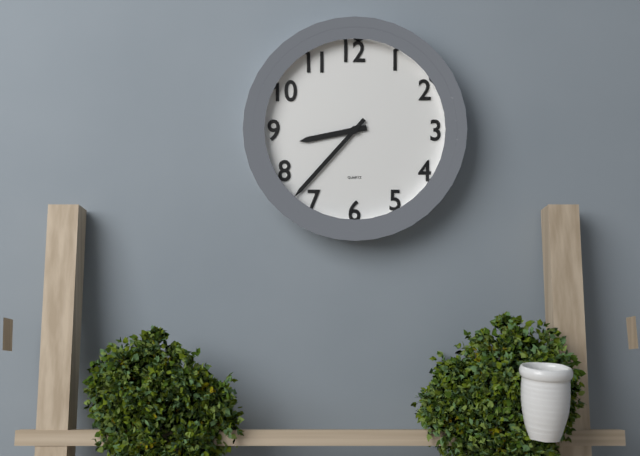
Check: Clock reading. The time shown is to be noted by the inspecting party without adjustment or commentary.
8:37
